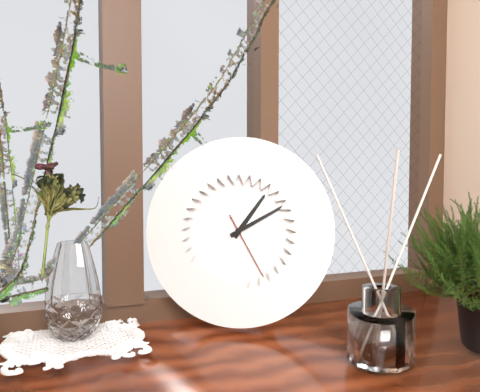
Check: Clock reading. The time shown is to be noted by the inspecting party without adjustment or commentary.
1:10
